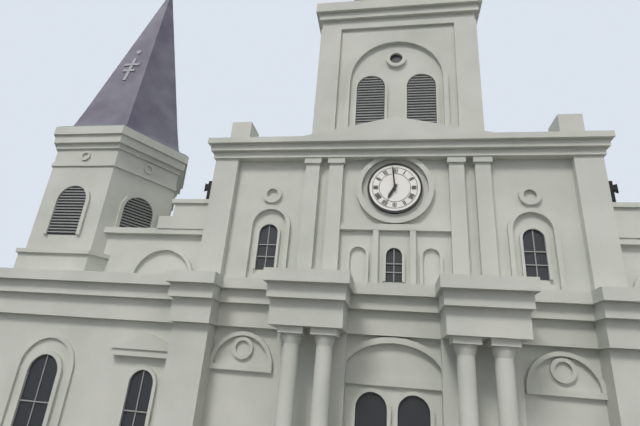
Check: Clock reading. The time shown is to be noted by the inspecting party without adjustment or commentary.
6:59
